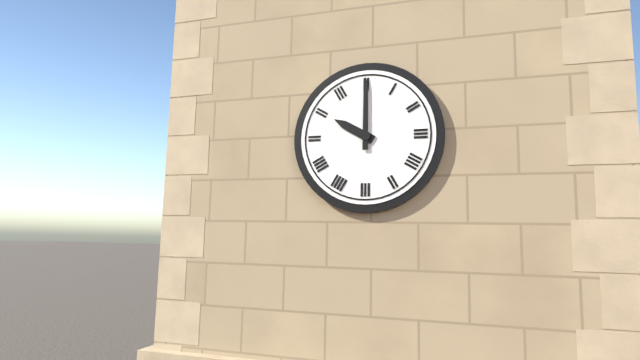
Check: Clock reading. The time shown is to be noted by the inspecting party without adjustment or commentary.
10:00
